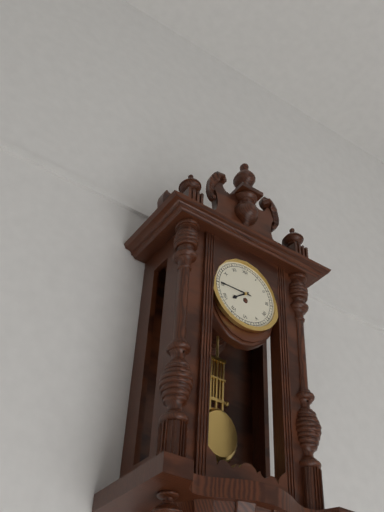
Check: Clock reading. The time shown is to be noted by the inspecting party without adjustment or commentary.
7:45
